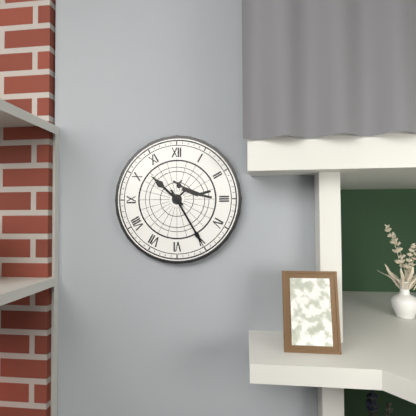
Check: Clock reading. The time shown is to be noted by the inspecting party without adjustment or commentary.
10:25
